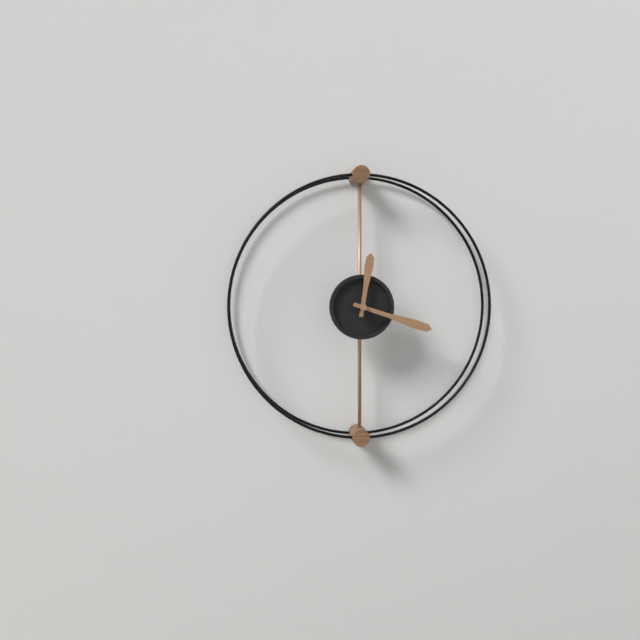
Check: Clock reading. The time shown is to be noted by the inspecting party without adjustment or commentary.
12:18
